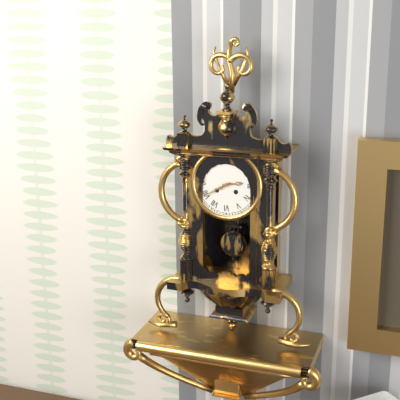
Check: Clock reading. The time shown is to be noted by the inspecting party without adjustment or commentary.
2:40
